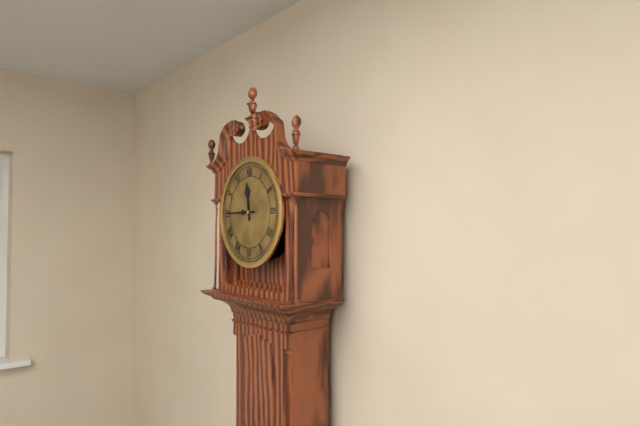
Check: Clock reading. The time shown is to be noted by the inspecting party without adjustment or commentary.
11:45
